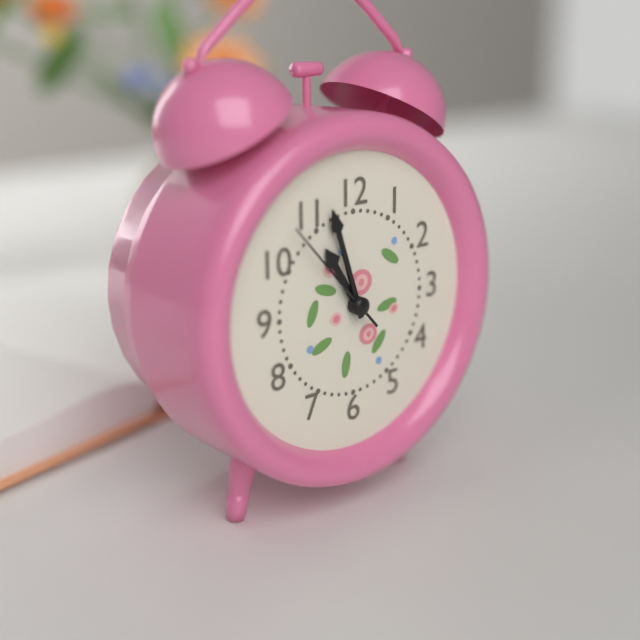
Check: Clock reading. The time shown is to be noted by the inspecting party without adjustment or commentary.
10:57:53
